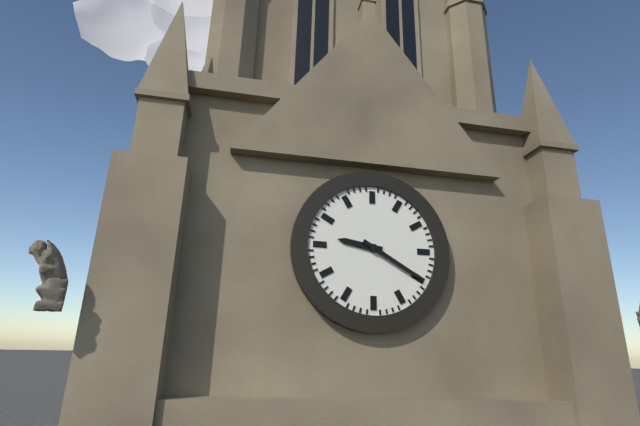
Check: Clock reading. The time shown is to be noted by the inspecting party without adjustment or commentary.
9:20
